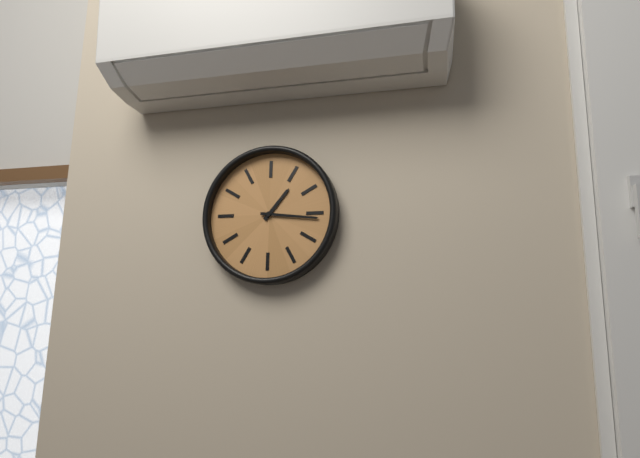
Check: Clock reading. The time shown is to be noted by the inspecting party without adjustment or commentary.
1:16
